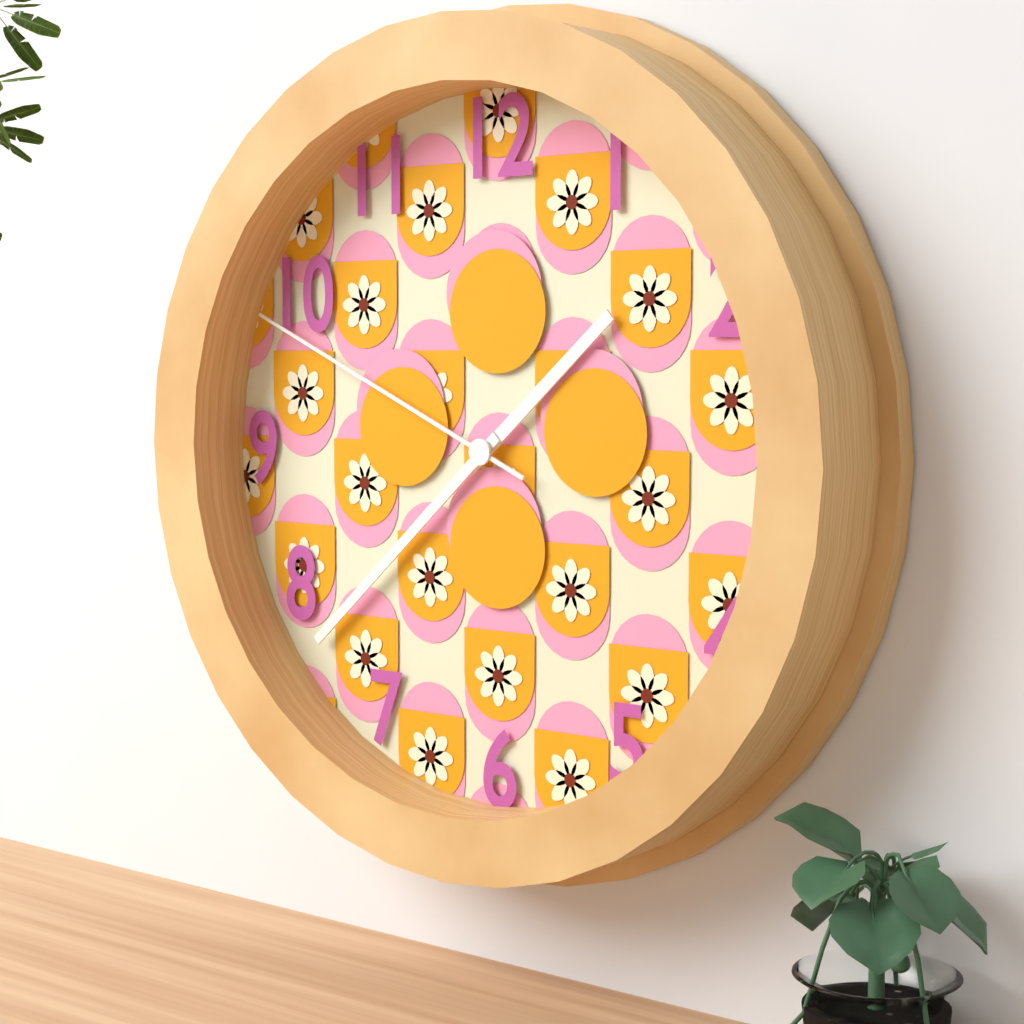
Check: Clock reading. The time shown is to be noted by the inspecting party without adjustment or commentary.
1:38:49
